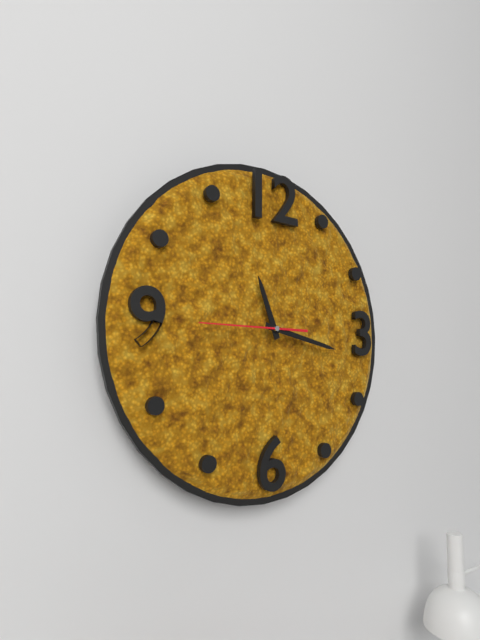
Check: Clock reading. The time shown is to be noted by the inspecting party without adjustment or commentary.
11:17:45
